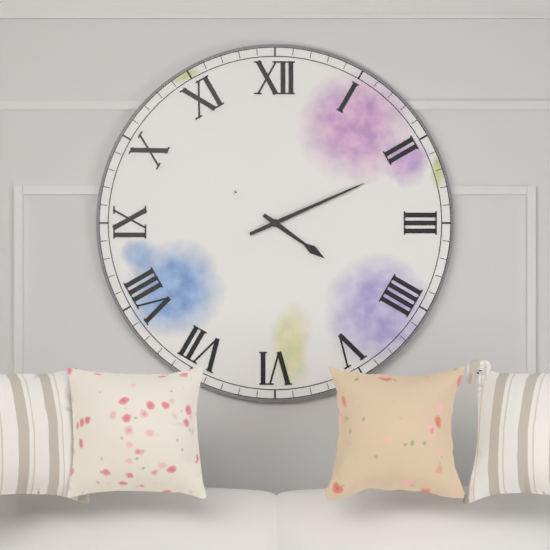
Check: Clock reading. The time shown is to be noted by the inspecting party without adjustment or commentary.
4:11
